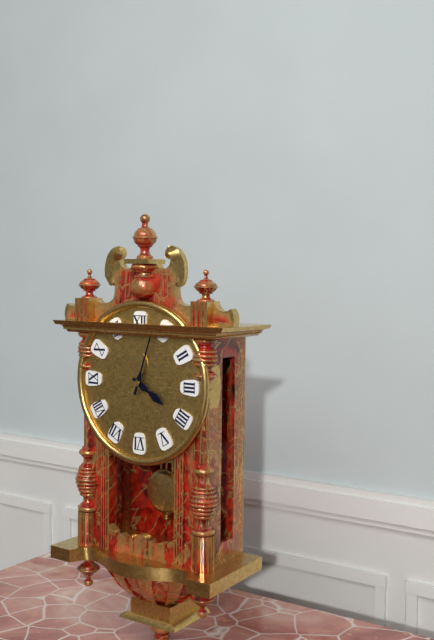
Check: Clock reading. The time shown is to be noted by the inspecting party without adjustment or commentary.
4:03
